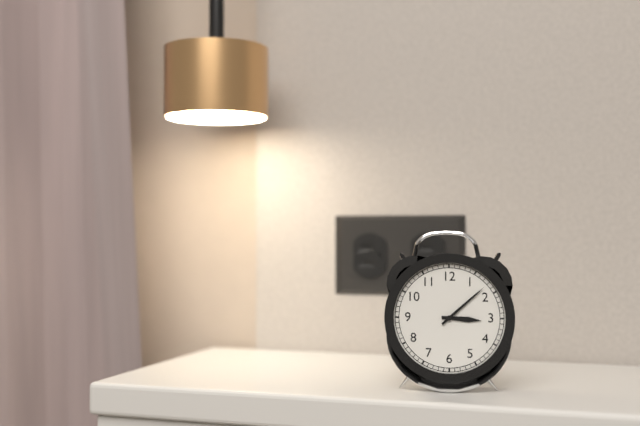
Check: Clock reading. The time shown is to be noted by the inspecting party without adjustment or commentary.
3:08
